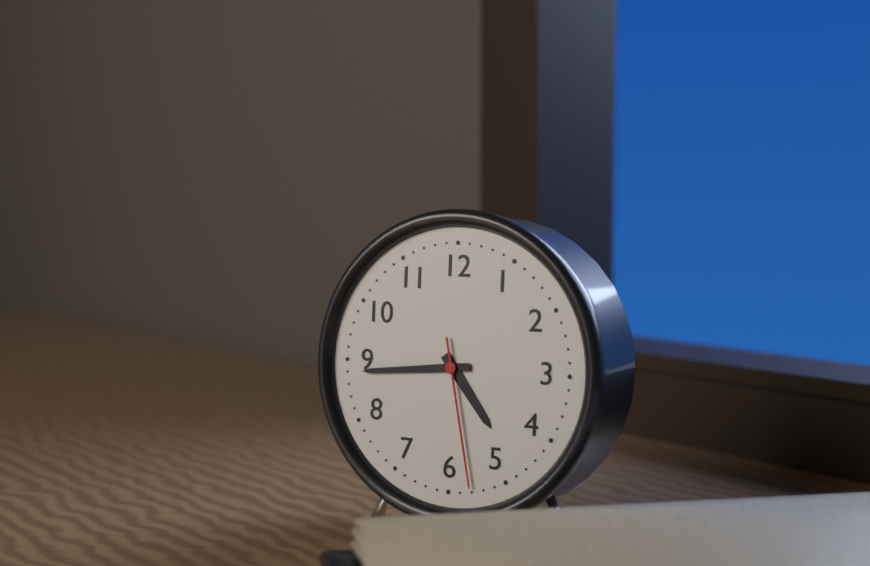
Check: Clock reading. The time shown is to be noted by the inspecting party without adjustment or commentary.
4:44:28
